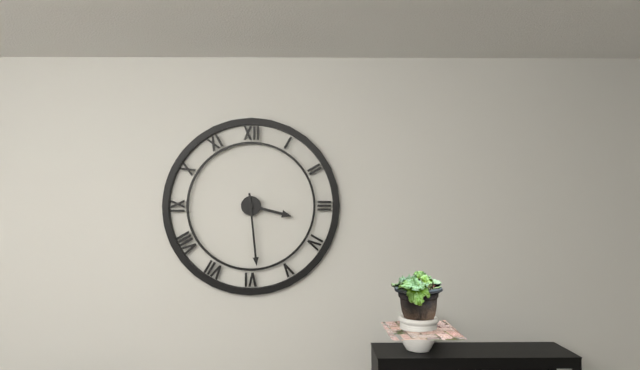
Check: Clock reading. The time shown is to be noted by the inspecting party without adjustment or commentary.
3:29
